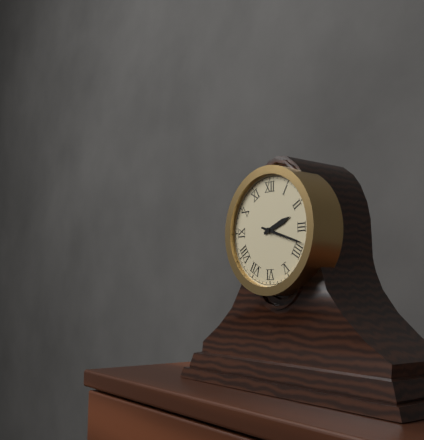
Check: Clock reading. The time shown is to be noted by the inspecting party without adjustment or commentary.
2:18
